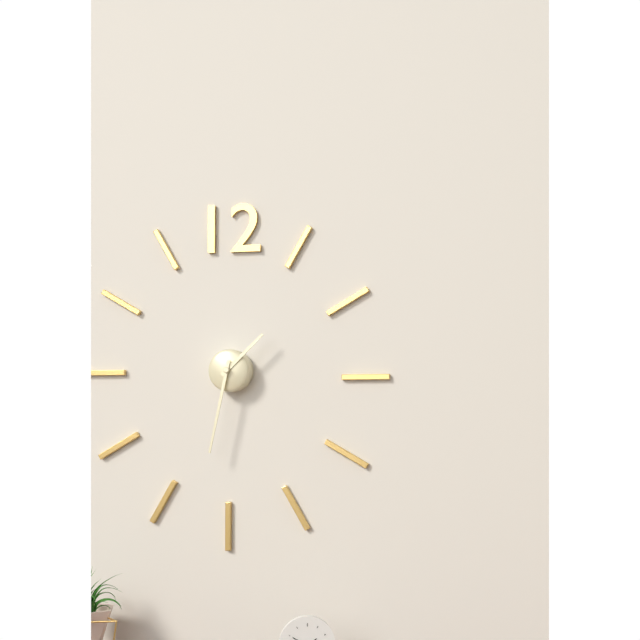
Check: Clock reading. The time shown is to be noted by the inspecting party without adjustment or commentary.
1:32
